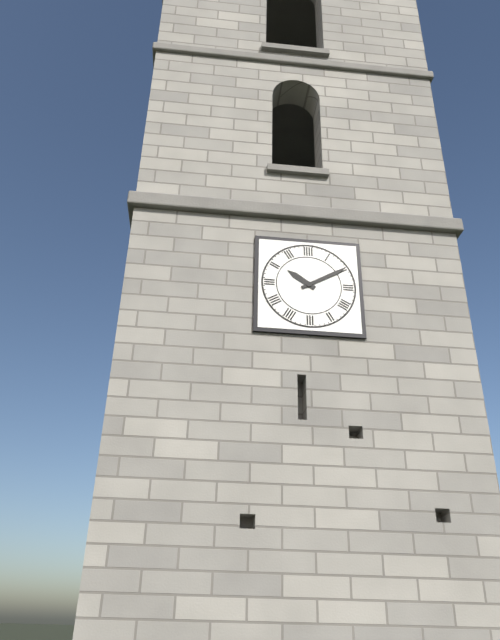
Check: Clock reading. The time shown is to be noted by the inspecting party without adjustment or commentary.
10:10
